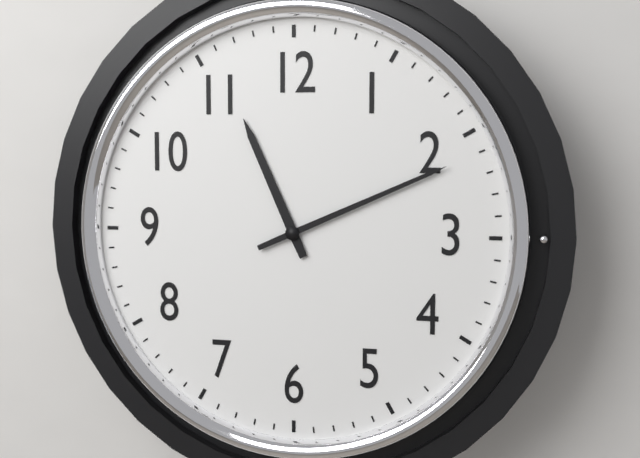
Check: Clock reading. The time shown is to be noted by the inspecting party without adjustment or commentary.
11:11
